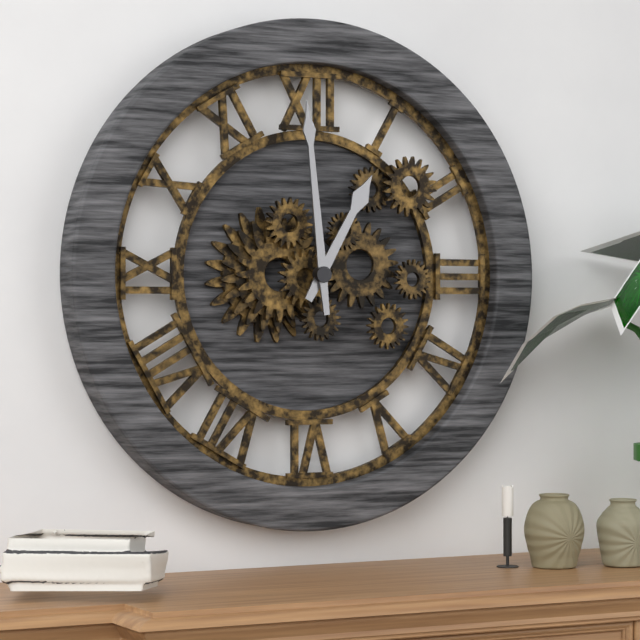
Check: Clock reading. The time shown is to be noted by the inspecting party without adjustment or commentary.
12:59
